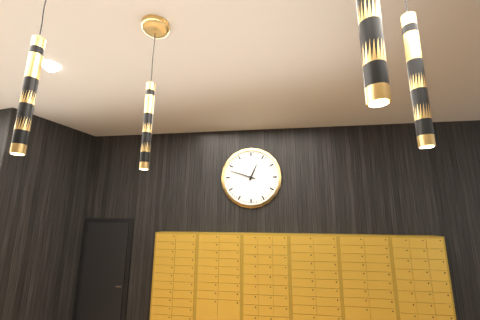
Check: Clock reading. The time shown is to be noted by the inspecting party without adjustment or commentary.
12:48
